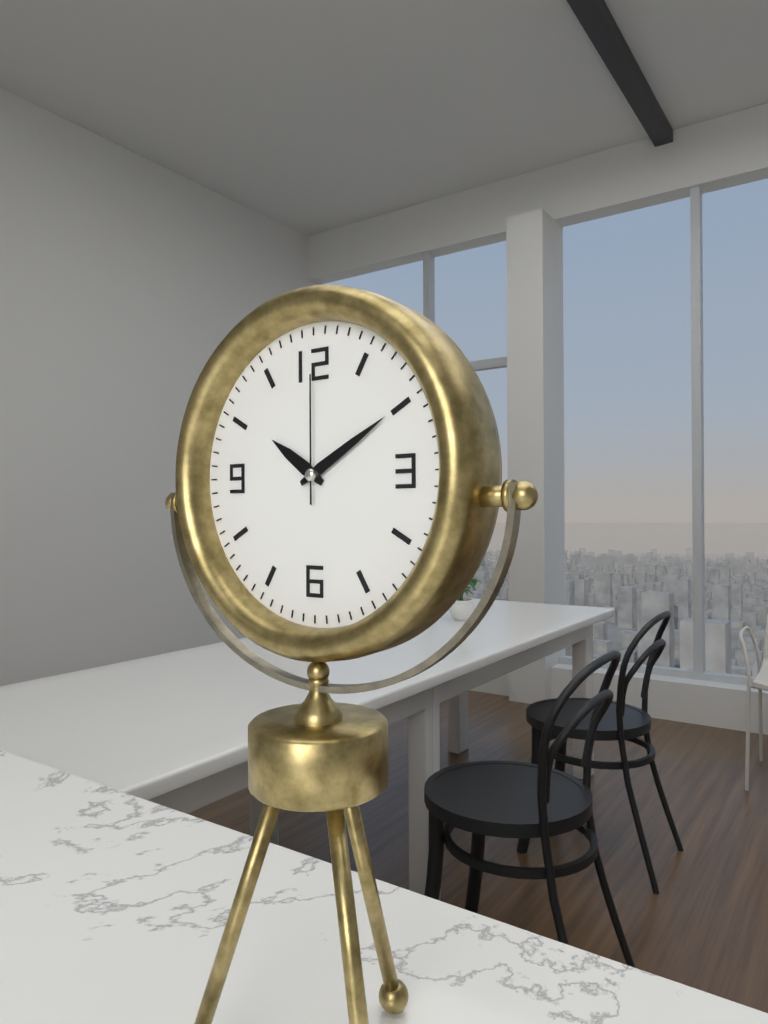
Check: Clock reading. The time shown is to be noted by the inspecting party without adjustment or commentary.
10:10:00
